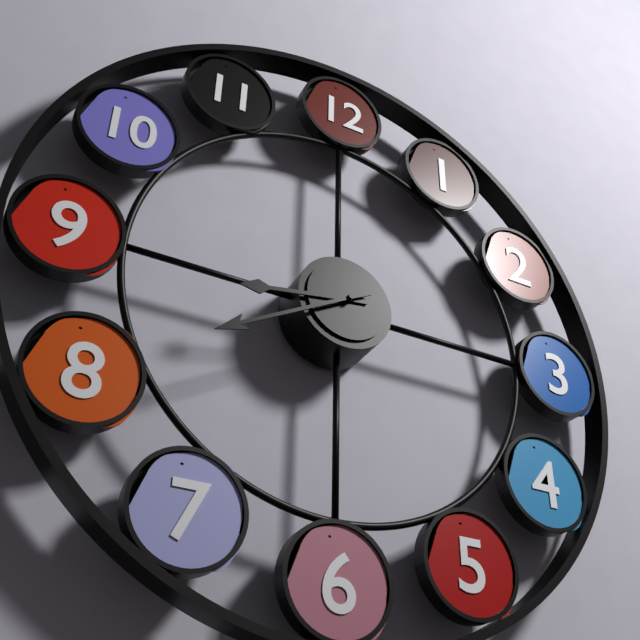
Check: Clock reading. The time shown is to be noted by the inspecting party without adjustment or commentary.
8:40
